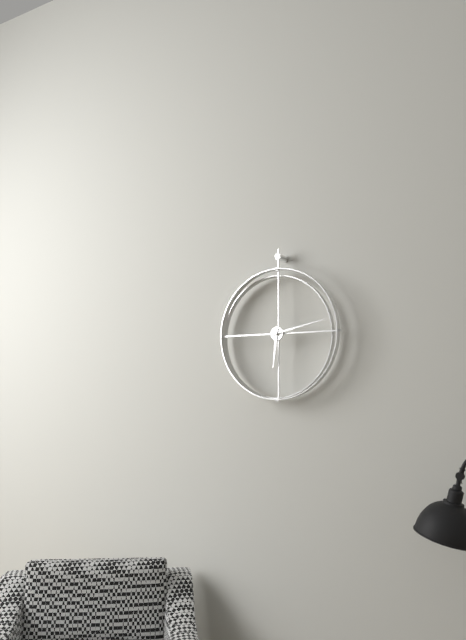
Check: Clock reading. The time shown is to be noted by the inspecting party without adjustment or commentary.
6:13
